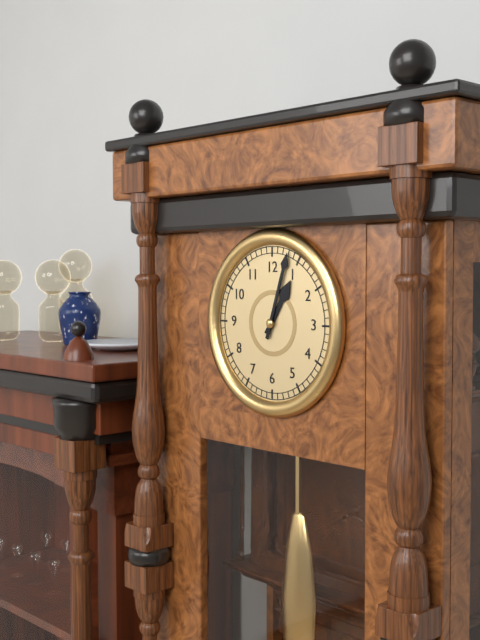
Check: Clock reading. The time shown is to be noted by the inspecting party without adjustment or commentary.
1:03
